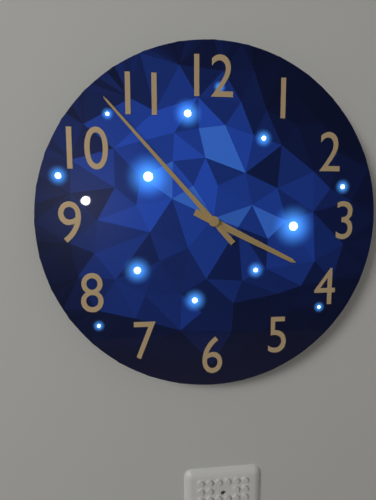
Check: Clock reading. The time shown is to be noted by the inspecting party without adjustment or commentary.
3:53
